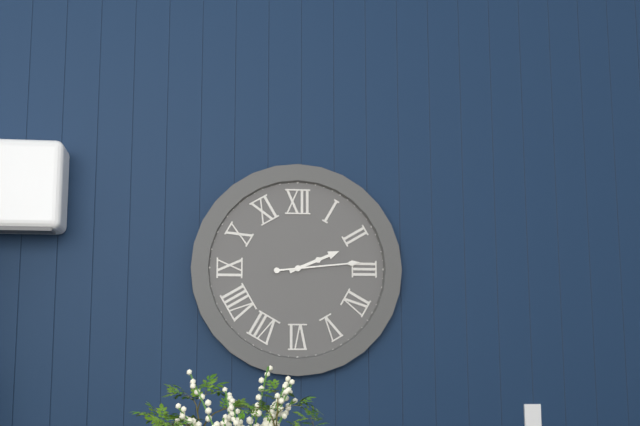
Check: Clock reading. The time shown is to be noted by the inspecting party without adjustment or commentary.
2:14
